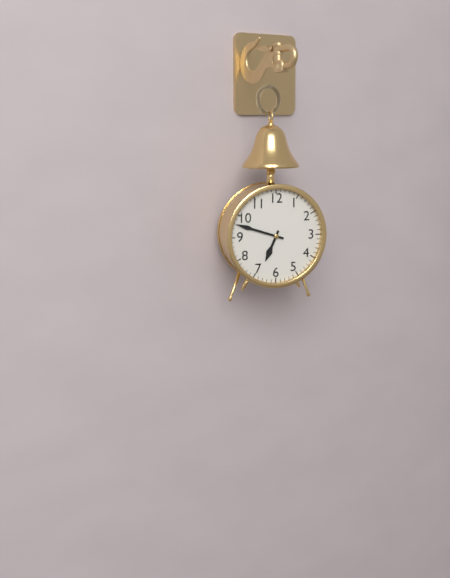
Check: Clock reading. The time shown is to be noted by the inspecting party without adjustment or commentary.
6:48
